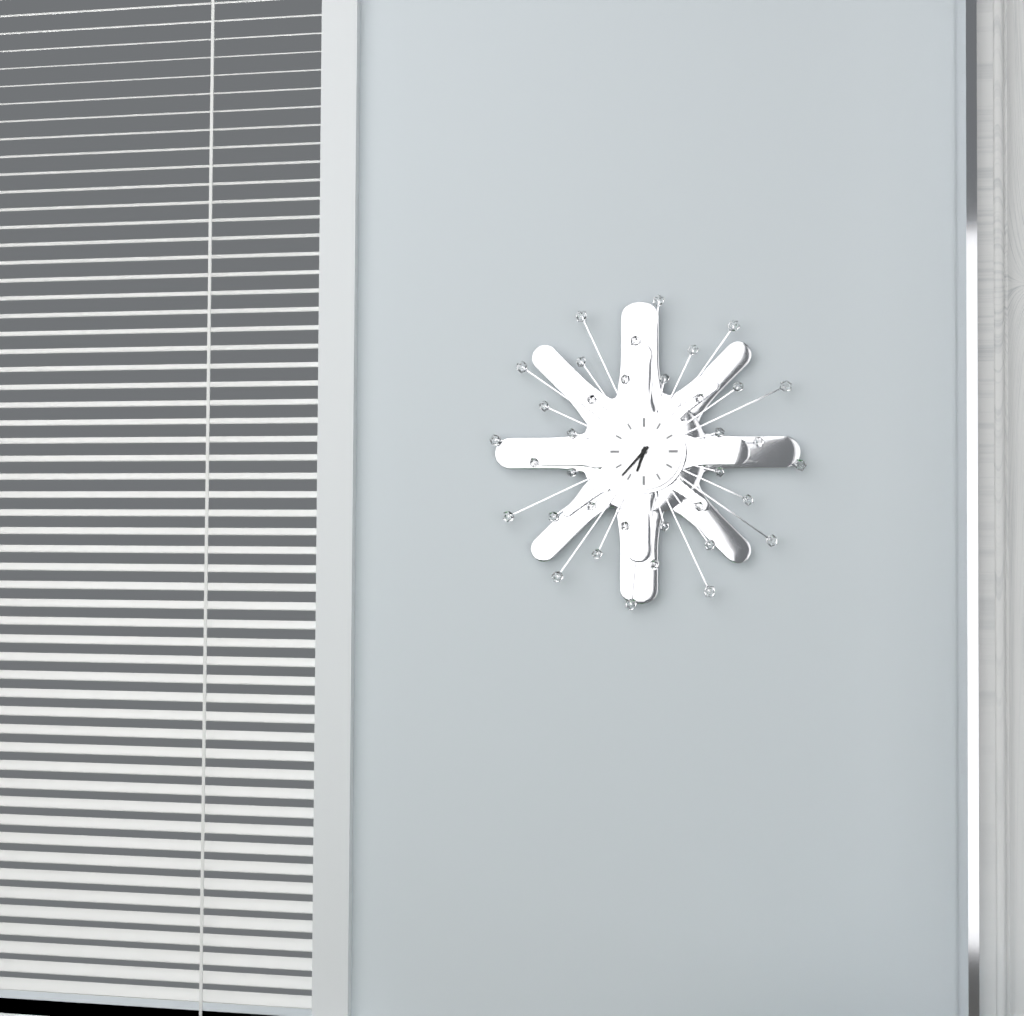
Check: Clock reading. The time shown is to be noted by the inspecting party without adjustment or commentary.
6:37
